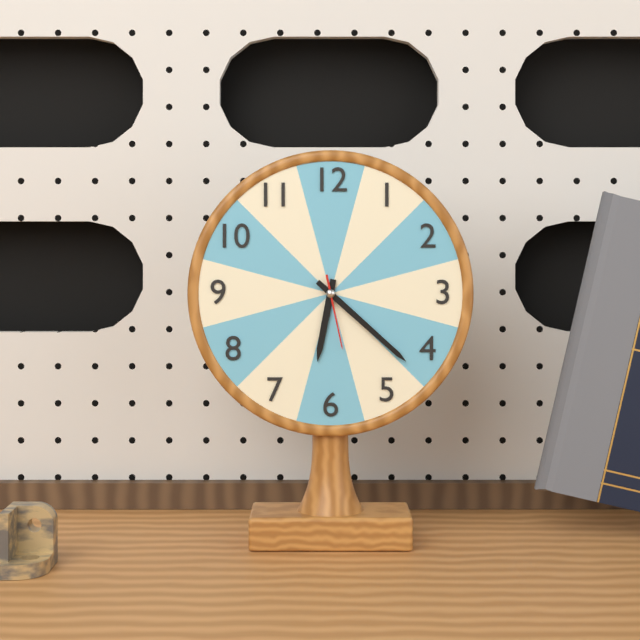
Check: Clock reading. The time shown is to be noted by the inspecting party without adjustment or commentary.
6:22:28
